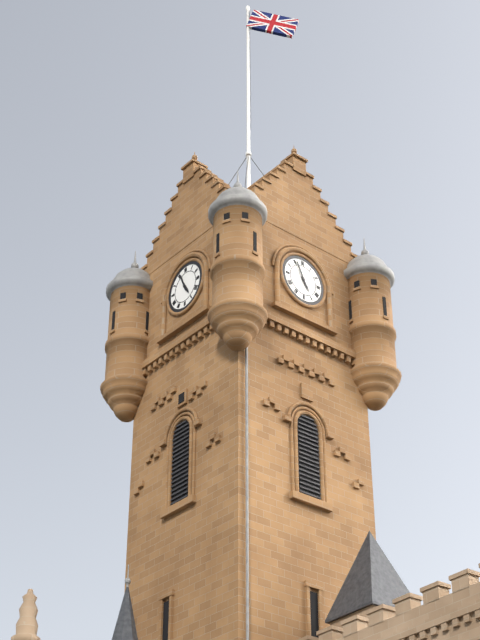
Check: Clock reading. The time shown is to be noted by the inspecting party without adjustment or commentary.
4:56
